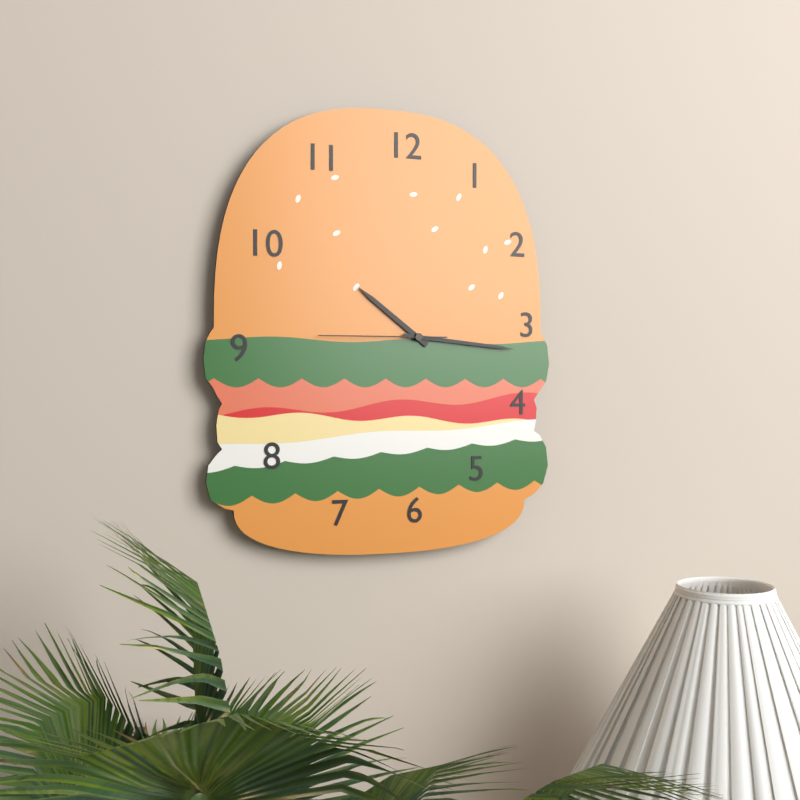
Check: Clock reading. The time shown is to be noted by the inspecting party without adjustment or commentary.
10:16:45
